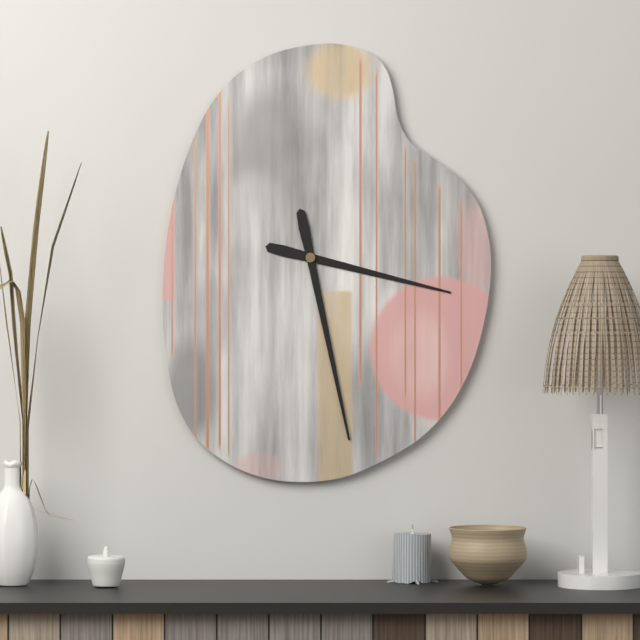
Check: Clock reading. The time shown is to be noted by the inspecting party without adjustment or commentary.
3:28
